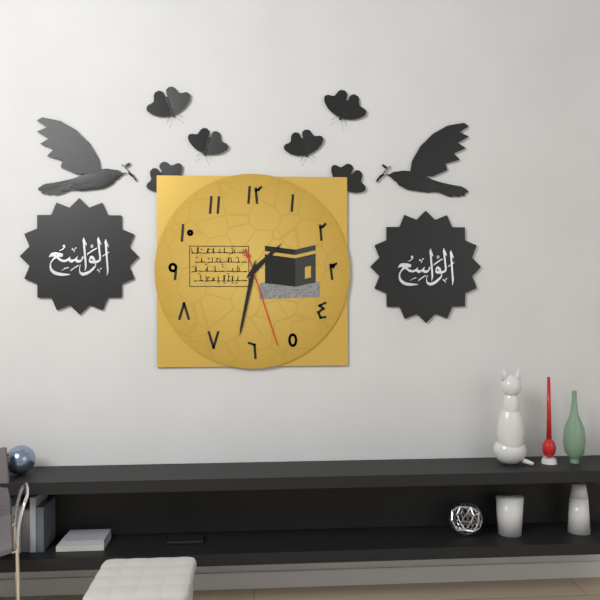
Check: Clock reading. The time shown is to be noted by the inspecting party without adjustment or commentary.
1:32:27
